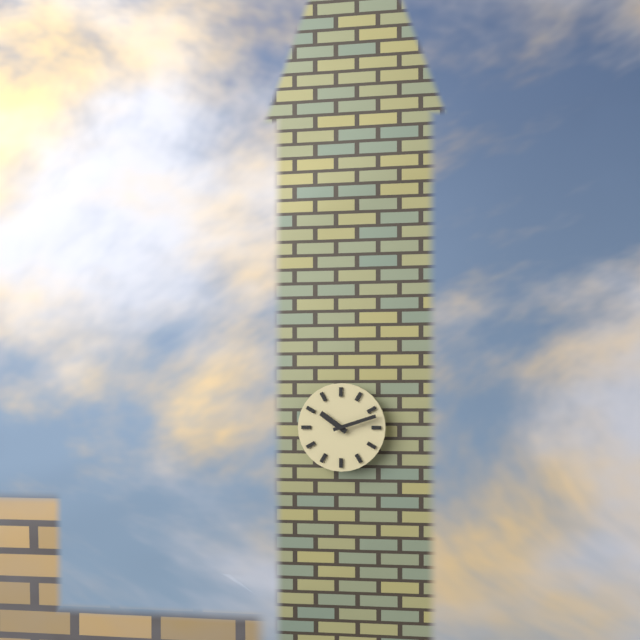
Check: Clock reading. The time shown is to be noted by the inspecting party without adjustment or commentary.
10:12
